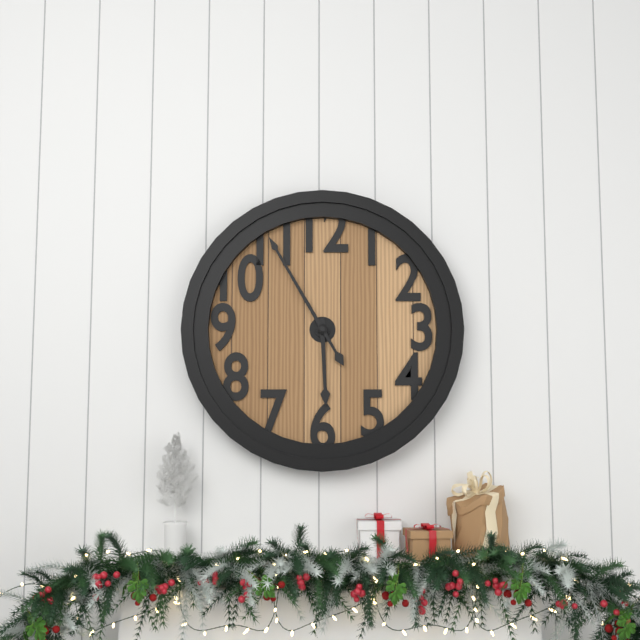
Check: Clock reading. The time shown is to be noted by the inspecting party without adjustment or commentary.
5:55
